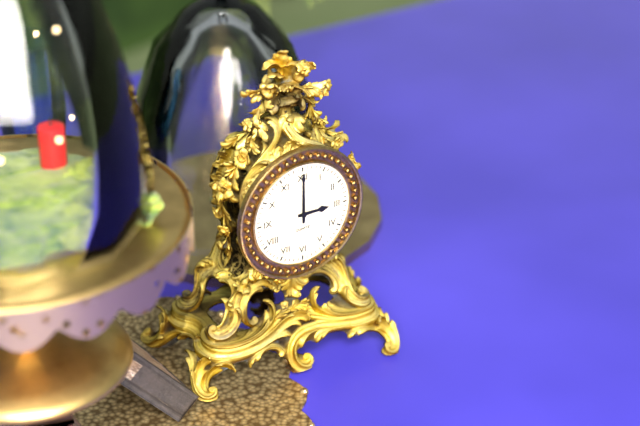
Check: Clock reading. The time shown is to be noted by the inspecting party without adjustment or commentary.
3:00
